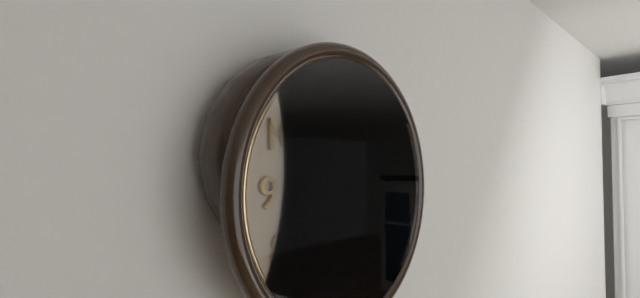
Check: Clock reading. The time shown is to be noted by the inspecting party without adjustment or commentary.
8:50
